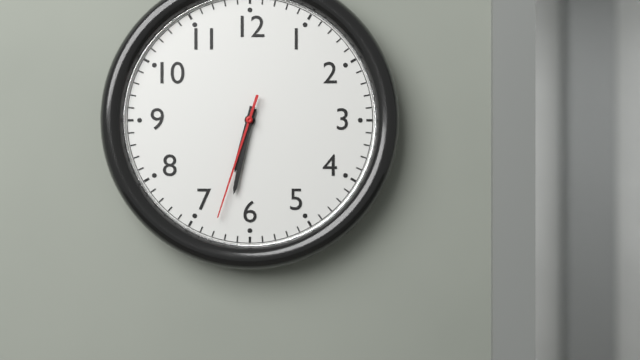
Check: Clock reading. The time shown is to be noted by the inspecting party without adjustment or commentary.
6:32:33
